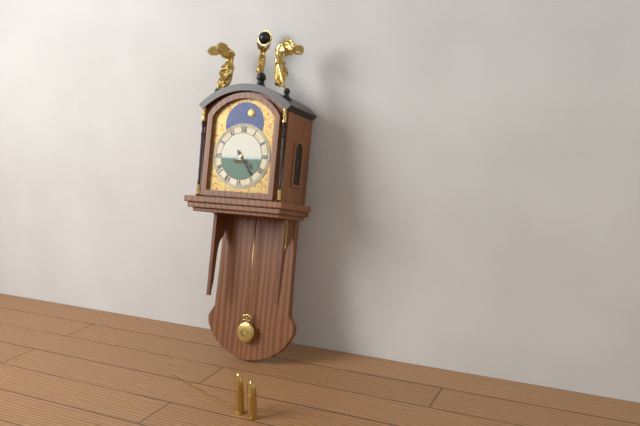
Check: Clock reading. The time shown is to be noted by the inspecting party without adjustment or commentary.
4:24
